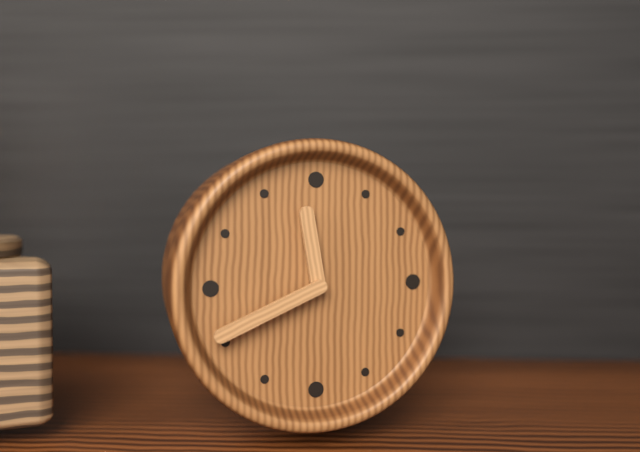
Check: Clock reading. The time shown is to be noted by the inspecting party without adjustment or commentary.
11:41
